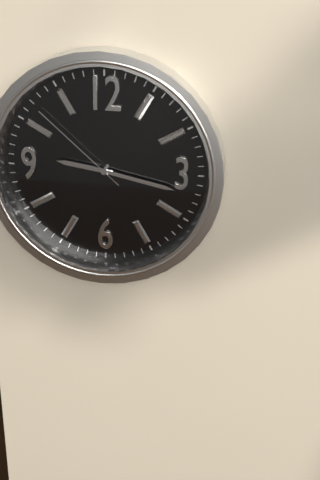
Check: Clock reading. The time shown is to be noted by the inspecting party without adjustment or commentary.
9:17:52
